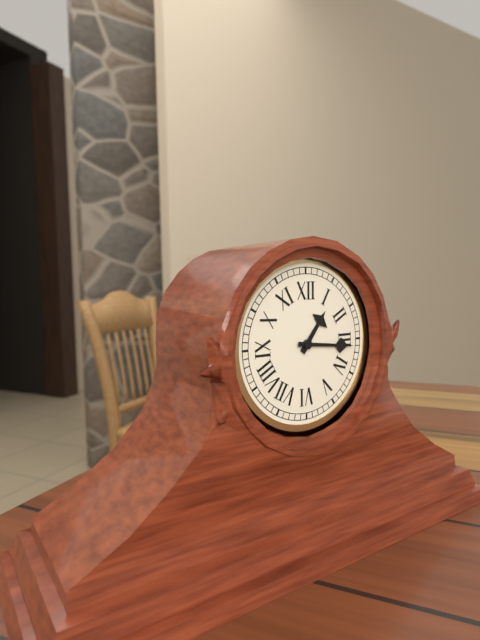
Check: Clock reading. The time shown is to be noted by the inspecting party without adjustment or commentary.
1:16
